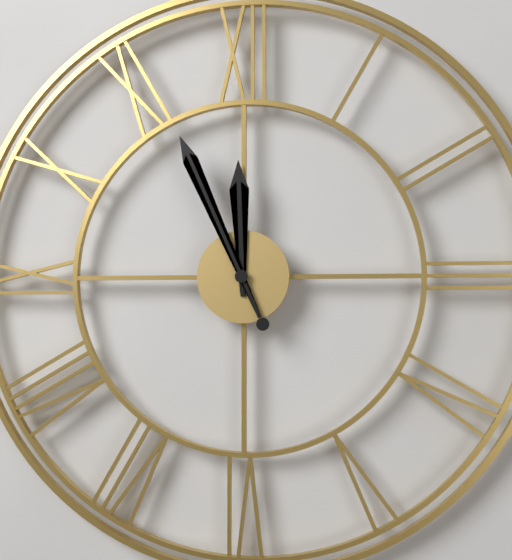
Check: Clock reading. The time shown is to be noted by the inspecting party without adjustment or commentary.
11:56
